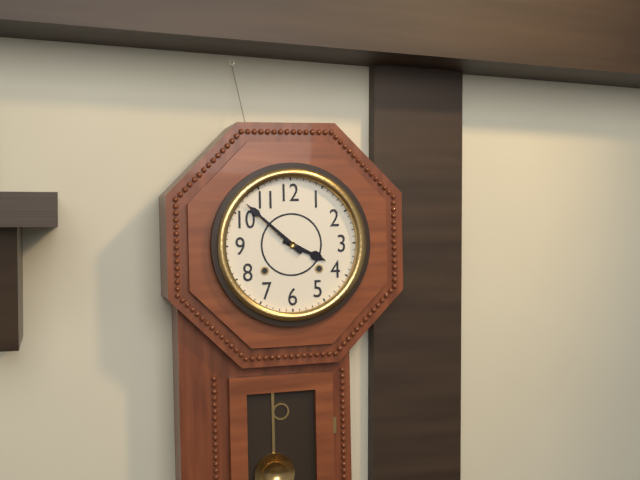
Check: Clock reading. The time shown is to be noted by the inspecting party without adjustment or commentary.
3:52
